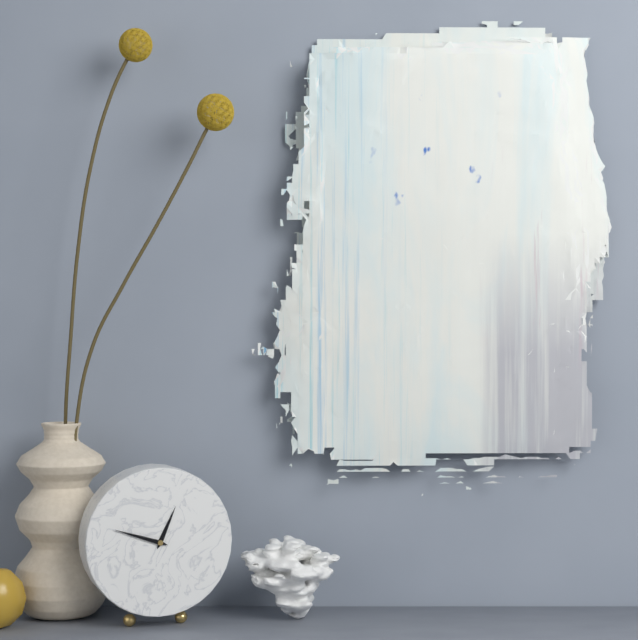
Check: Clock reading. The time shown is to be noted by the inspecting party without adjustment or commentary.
12:48
